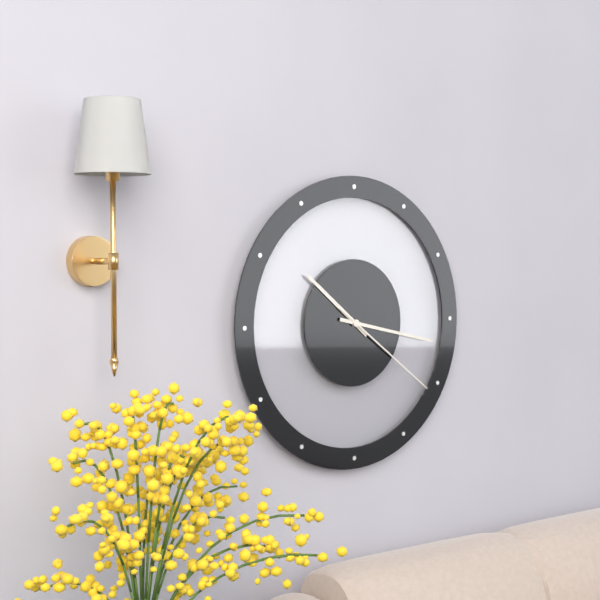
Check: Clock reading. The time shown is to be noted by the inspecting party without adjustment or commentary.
10:17:21
